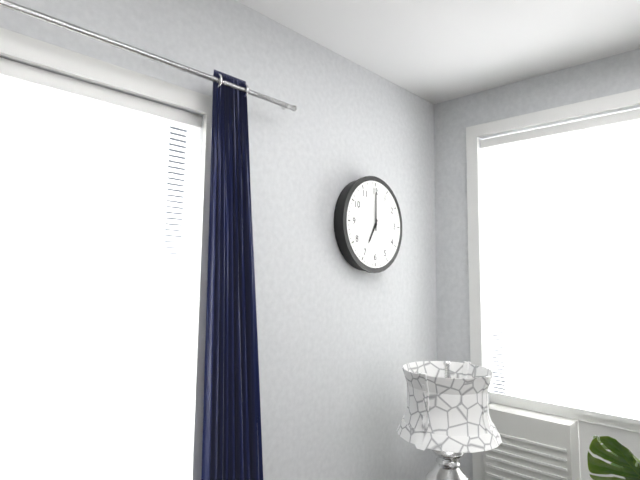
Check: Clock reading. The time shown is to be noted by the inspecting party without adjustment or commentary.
7:00
